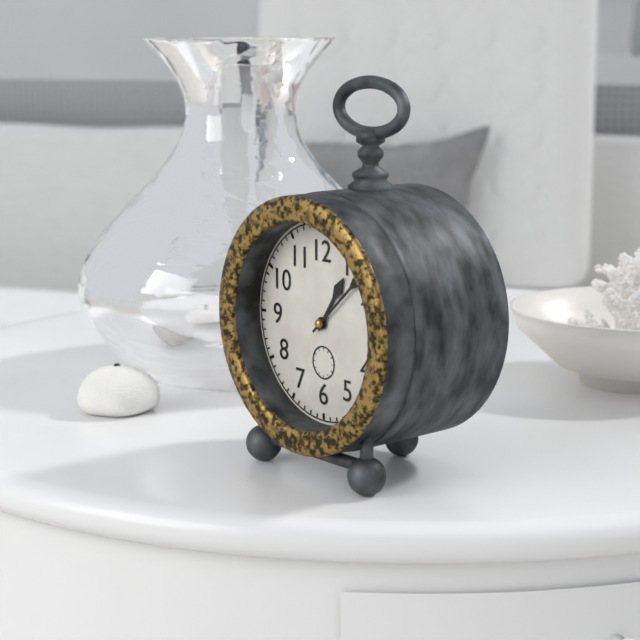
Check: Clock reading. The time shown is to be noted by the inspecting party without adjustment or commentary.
1:08
